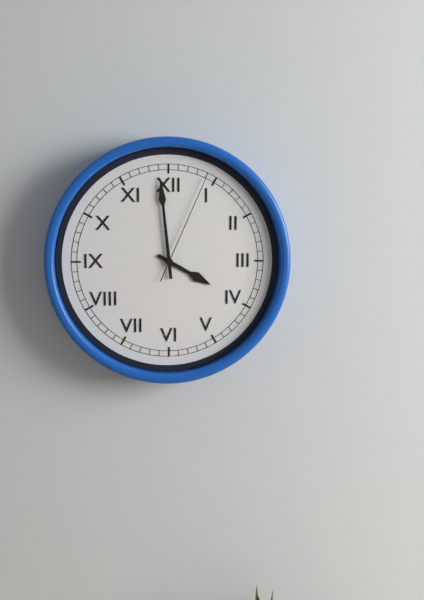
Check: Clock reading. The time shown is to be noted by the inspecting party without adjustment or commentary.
3:59:04
